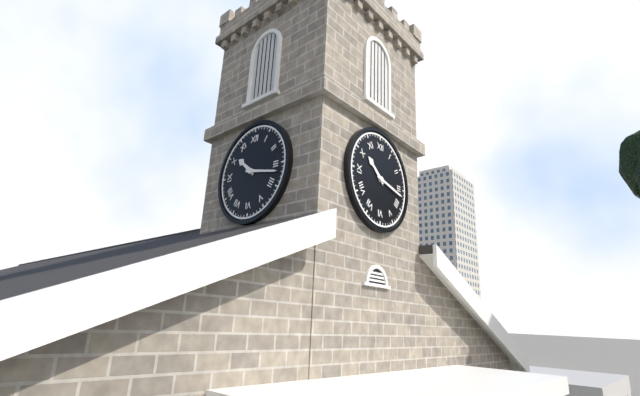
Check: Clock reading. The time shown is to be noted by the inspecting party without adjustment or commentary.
10:17
